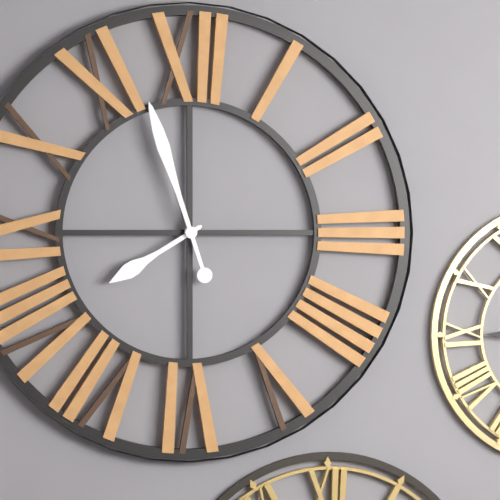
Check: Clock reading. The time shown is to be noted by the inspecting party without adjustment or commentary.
7:57
